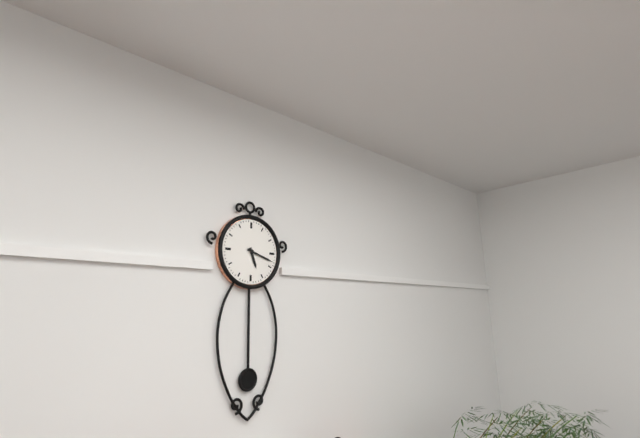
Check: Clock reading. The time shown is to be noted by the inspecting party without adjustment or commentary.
5:18
